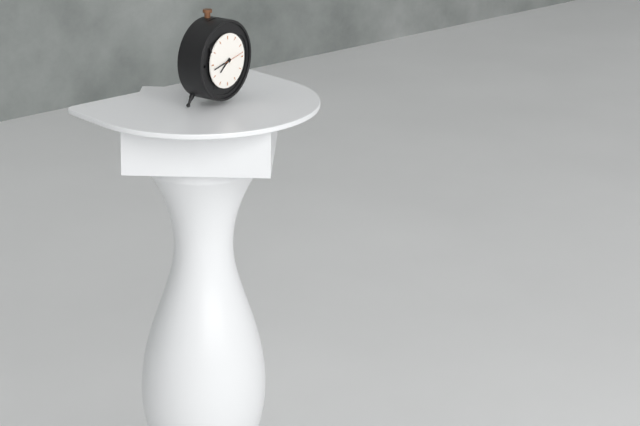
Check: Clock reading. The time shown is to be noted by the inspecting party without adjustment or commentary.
7:43
